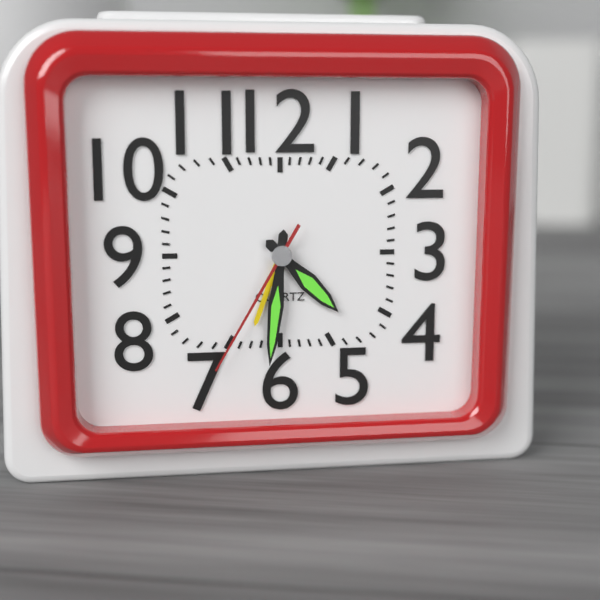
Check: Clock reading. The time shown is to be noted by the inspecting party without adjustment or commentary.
4:31:35
